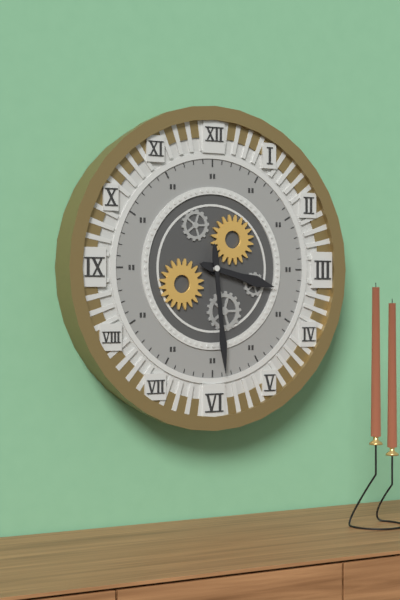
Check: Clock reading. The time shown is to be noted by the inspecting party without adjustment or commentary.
3:29
